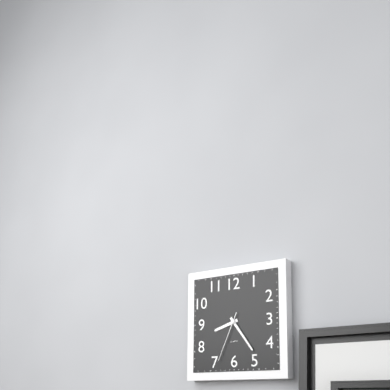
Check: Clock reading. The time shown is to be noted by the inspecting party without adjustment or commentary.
8:24:34
